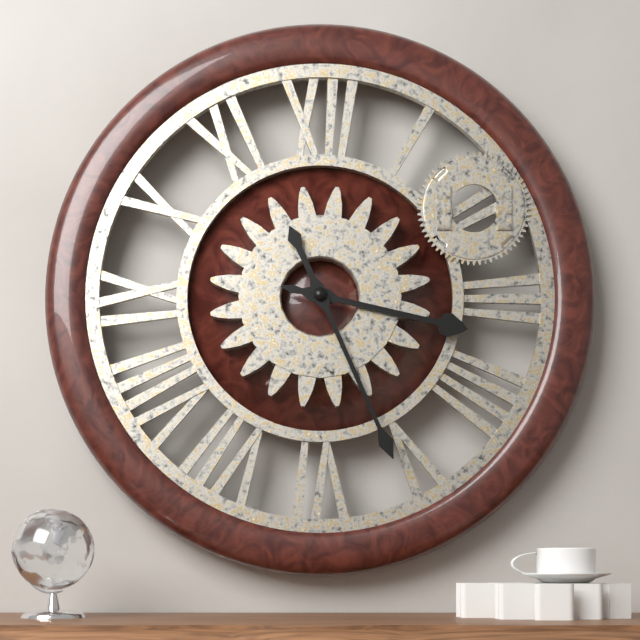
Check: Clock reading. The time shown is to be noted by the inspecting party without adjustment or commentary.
3:26
